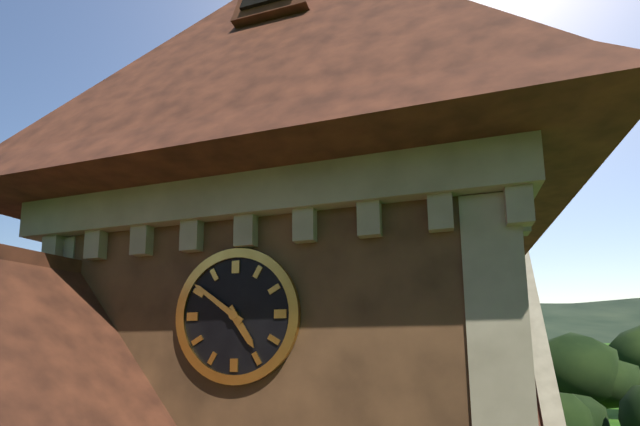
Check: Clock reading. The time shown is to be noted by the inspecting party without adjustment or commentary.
4:51
